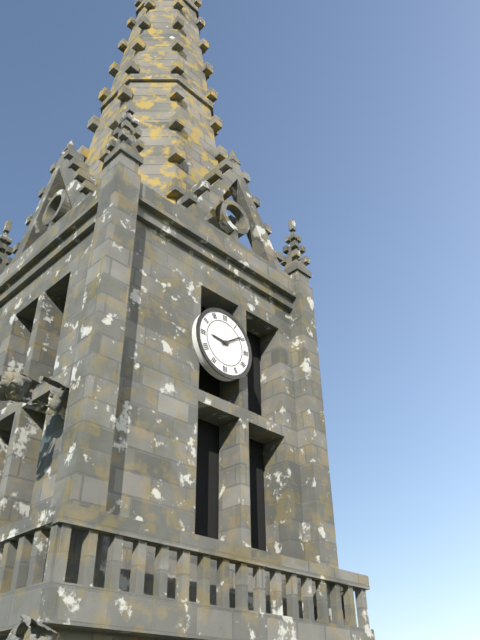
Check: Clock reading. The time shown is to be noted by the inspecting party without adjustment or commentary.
9:09
